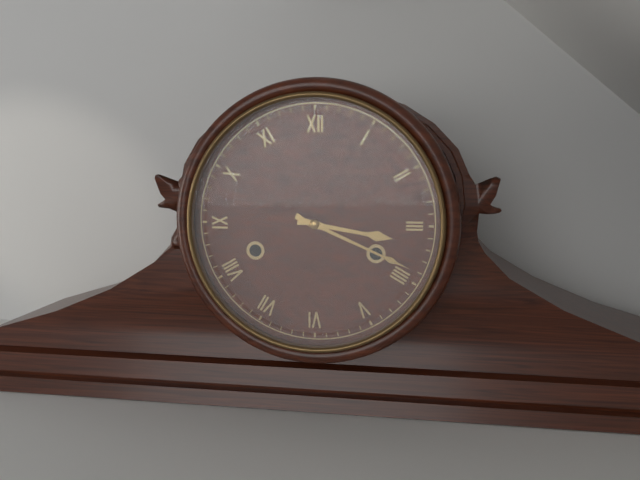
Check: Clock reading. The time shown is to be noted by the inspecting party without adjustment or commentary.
3:19
